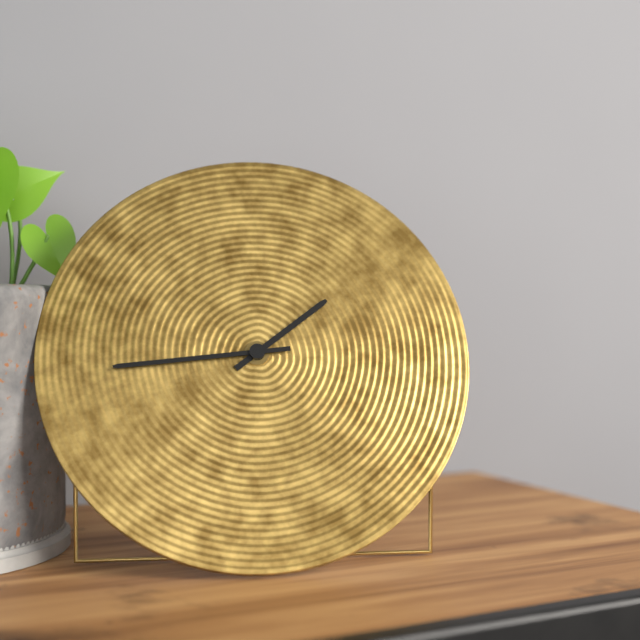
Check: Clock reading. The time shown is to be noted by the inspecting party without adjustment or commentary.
1:44
